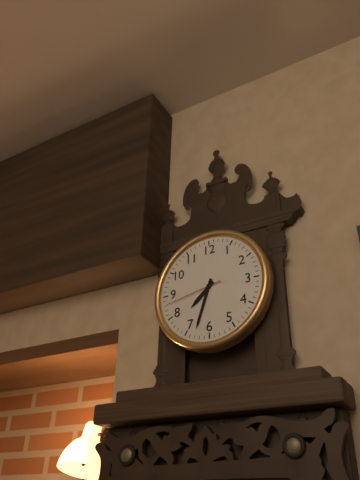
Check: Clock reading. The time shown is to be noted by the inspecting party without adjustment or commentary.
7:33:43
